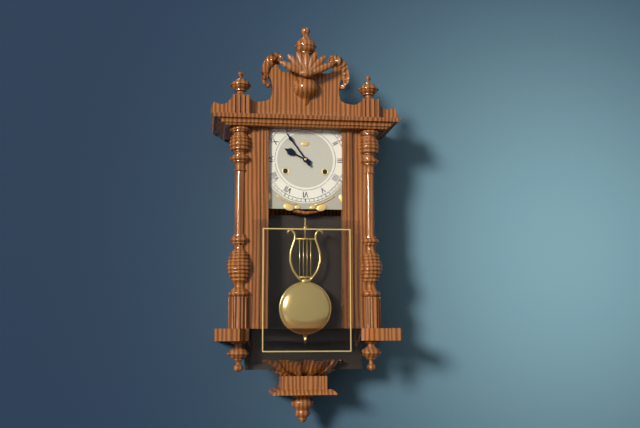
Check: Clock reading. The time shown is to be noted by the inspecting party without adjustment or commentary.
9:54
